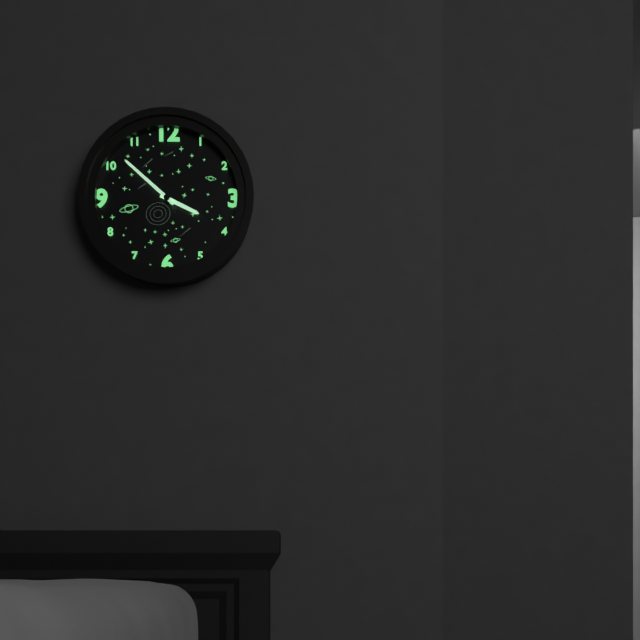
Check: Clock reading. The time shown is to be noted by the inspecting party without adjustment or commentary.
3:52
